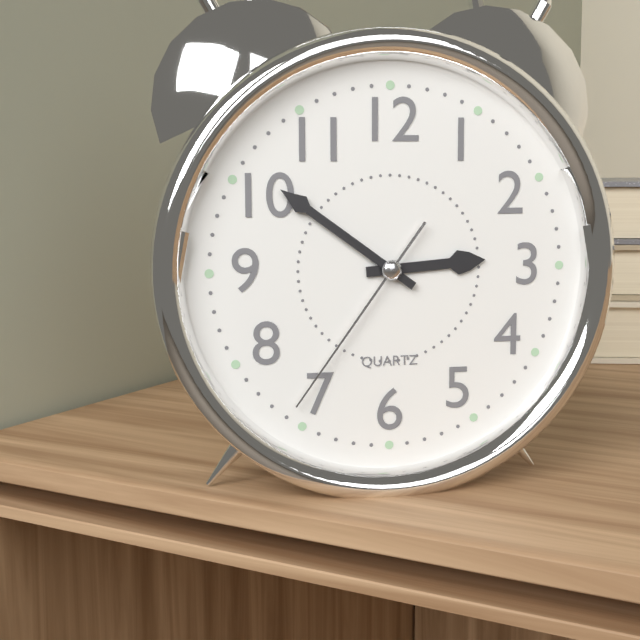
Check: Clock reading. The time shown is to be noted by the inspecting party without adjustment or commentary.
2:51:36
